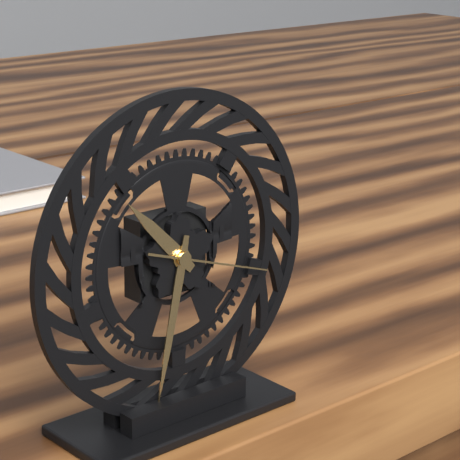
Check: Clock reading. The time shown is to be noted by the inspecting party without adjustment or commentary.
10:32:18
